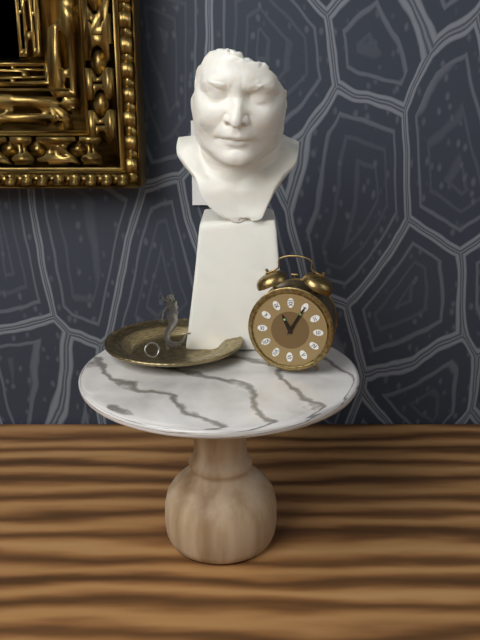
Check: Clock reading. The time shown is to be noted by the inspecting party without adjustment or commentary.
11:05
